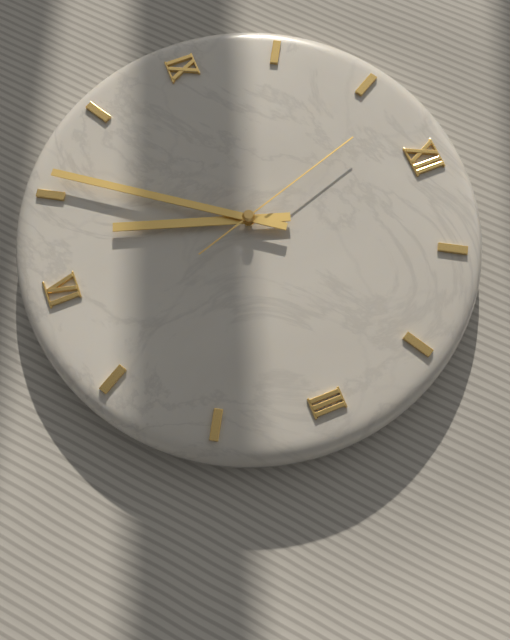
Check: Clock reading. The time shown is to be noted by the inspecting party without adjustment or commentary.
6:36:57
